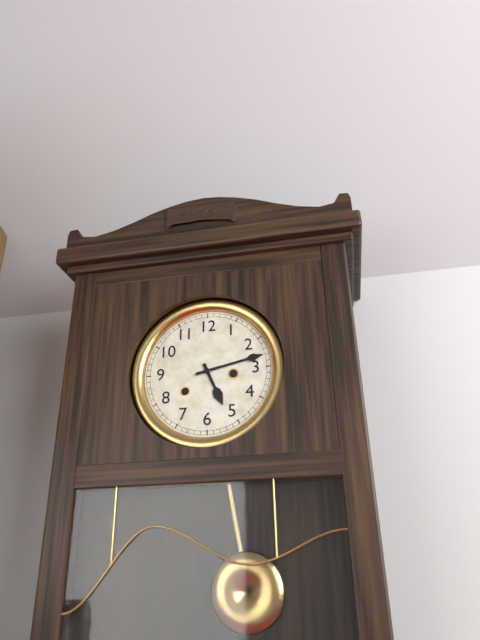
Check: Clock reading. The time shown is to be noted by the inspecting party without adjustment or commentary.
5:13
